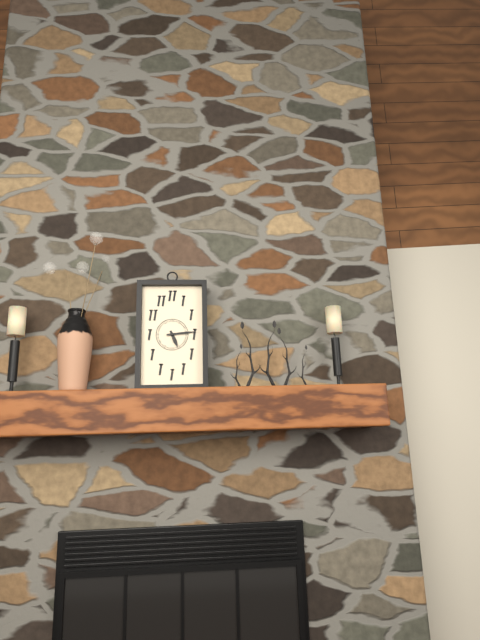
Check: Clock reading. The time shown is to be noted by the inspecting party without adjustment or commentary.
5:14
